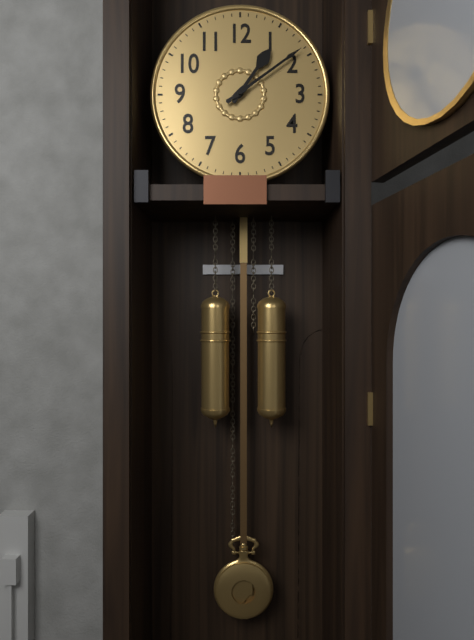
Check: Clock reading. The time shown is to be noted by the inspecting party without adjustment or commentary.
1:09
